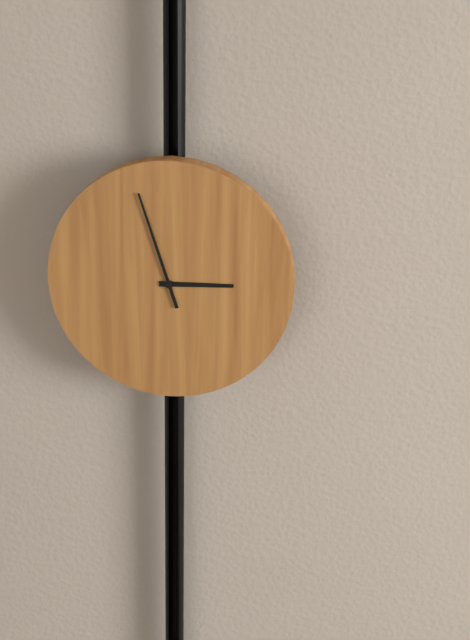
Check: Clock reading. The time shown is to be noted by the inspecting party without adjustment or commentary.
2:57
